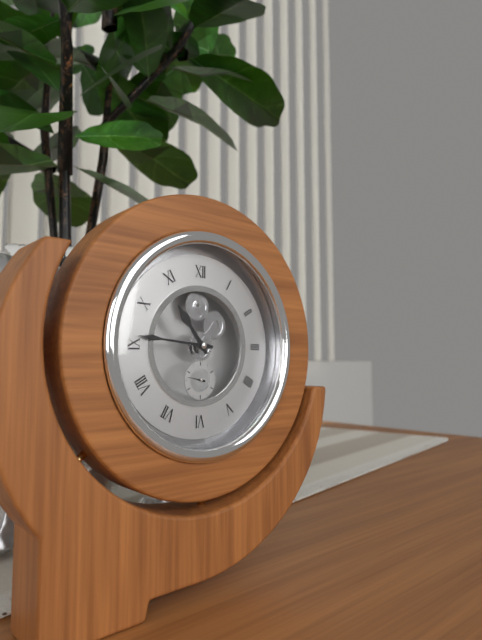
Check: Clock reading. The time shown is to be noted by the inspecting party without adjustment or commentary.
10:46
